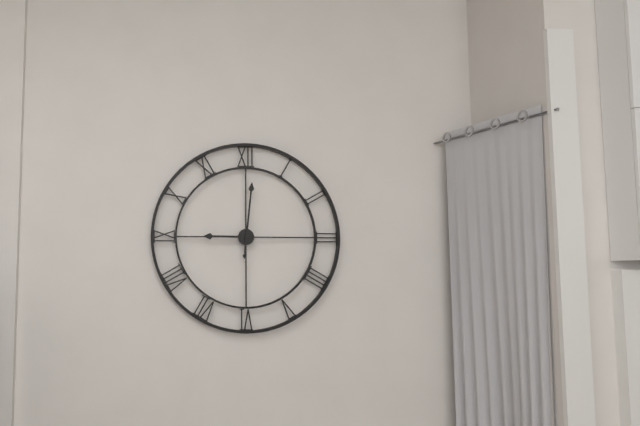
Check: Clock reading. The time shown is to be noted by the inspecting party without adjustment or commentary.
9:01
